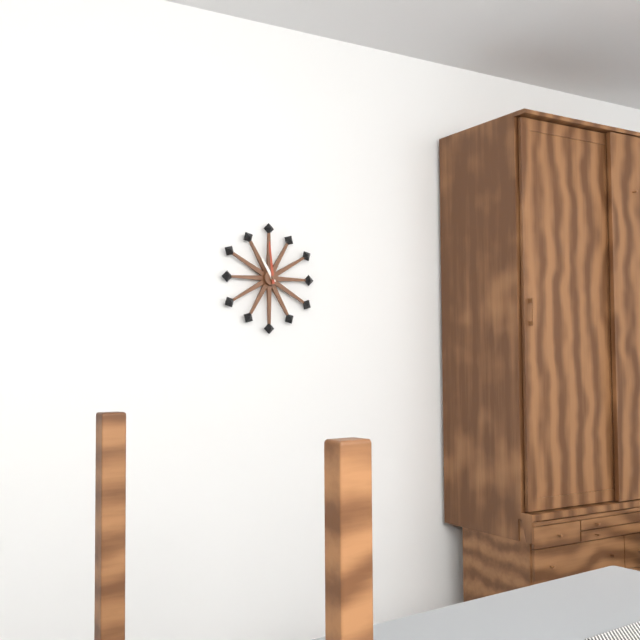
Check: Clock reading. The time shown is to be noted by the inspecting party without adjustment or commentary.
10:59
